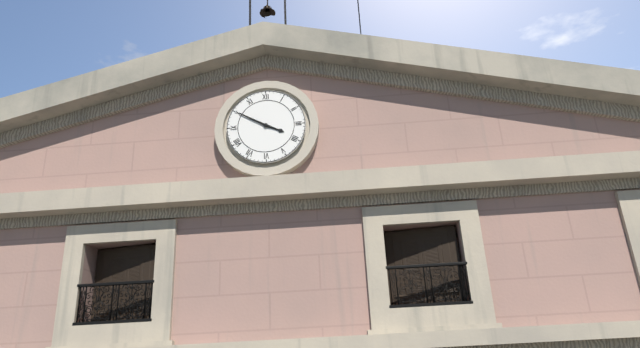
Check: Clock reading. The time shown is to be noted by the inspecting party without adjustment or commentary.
3:50
